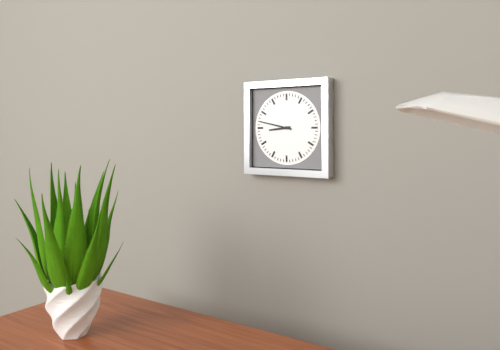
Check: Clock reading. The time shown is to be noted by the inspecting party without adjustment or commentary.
8:47
